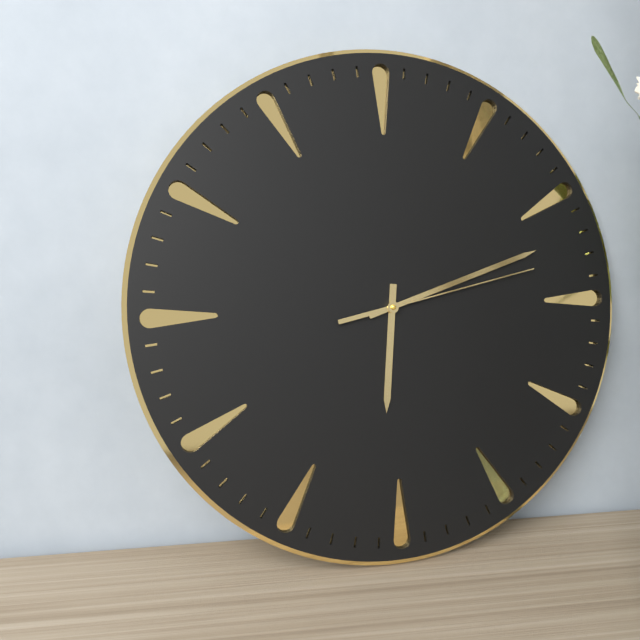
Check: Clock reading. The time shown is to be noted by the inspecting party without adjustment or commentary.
6:12:13
